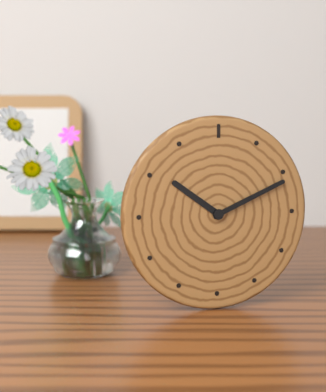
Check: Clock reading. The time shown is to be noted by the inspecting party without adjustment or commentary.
10:11
